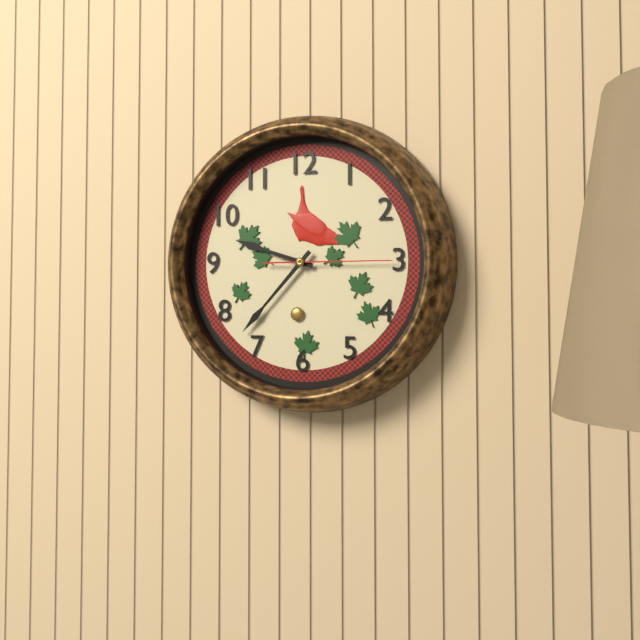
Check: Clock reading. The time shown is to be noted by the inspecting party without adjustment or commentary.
9:37:15
